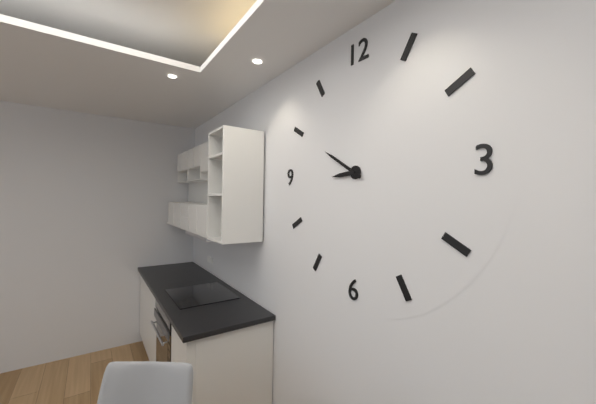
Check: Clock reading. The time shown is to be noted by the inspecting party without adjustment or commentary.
8:50
